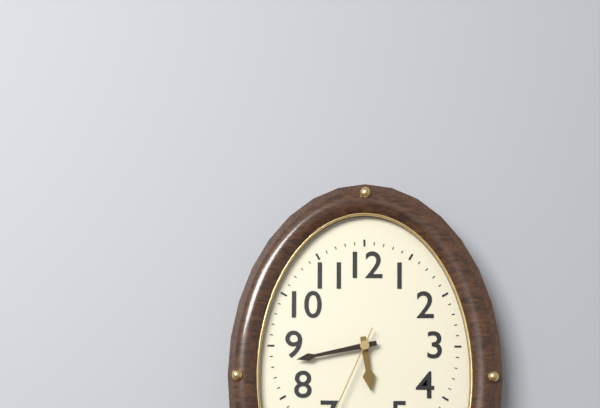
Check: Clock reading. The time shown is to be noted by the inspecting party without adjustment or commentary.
5:43
